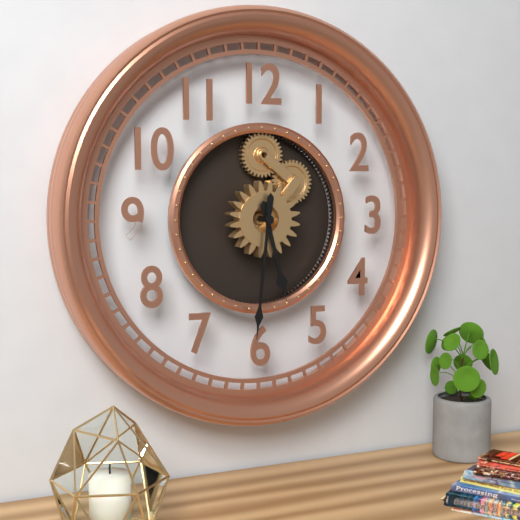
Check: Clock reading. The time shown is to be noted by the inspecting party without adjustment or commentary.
5:31
